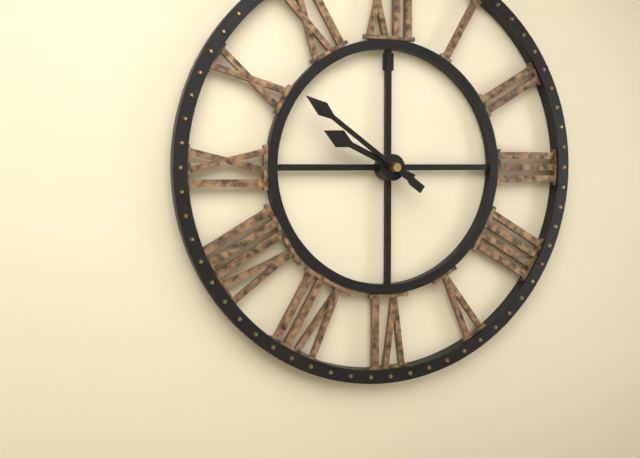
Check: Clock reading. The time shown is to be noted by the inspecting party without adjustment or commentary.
9:51
